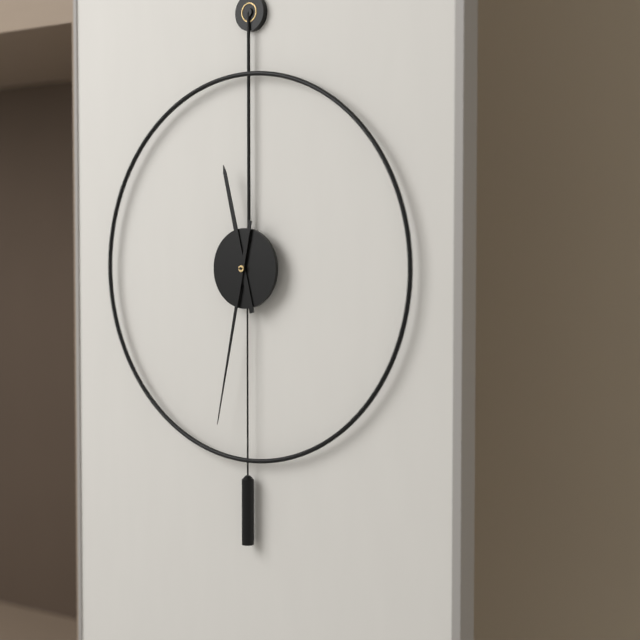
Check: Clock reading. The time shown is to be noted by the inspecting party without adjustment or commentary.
11:32
